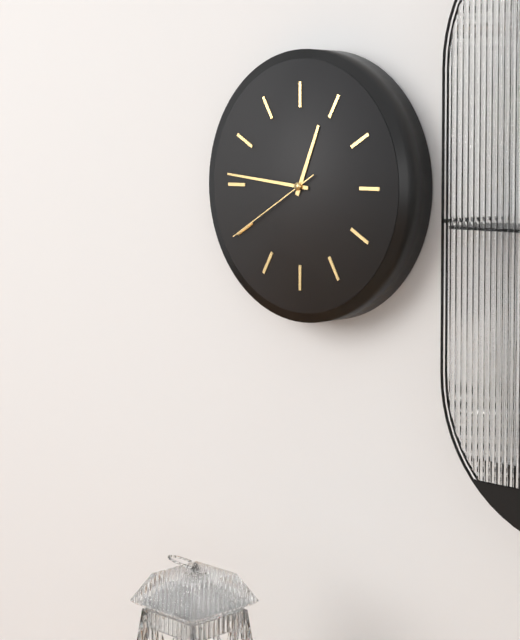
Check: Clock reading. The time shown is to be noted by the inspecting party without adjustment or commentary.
12:46:40
